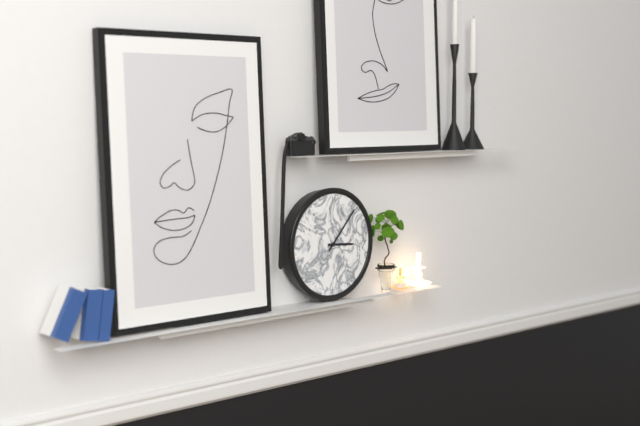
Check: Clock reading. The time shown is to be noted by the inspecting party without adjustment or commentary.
3:07
